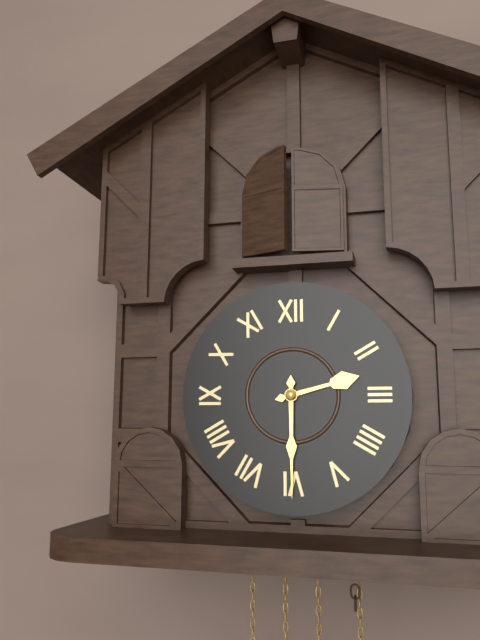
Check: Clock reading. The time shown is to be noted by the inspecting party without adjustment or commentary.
2:30
